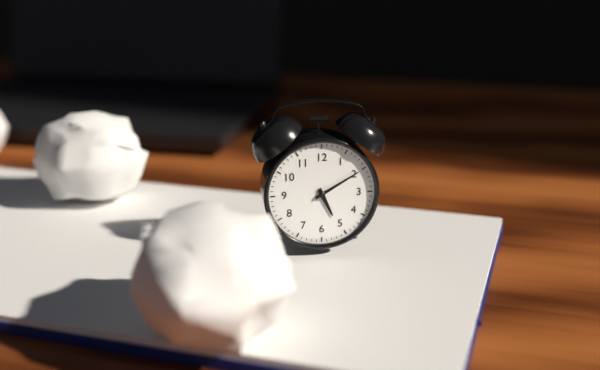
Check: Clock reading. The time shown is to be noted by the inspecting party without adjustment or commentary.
5:10
